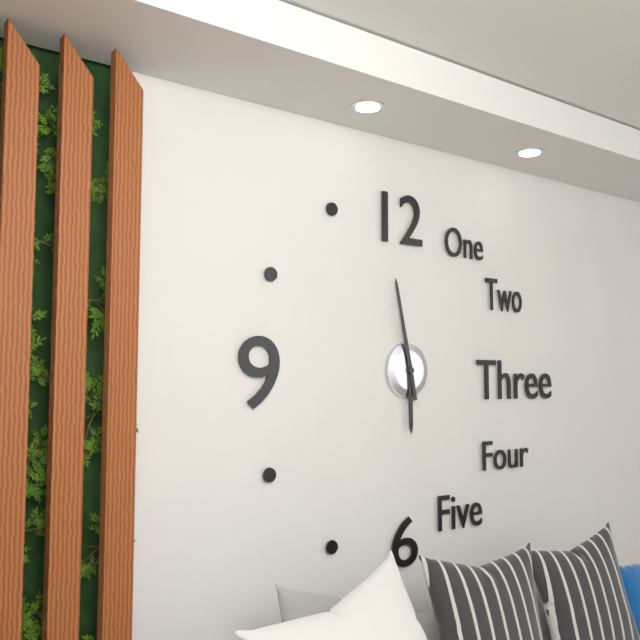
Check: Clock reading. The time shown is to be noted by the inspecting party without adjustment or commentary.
5:58
